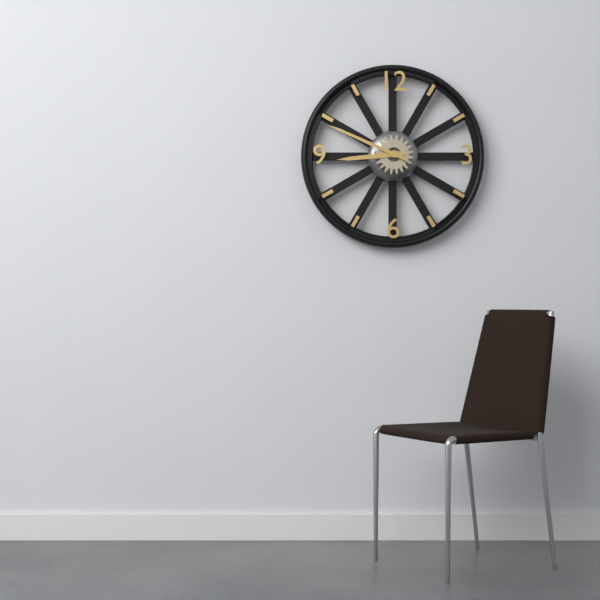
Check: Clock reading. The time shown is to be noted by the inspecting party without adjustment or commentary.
8:49
